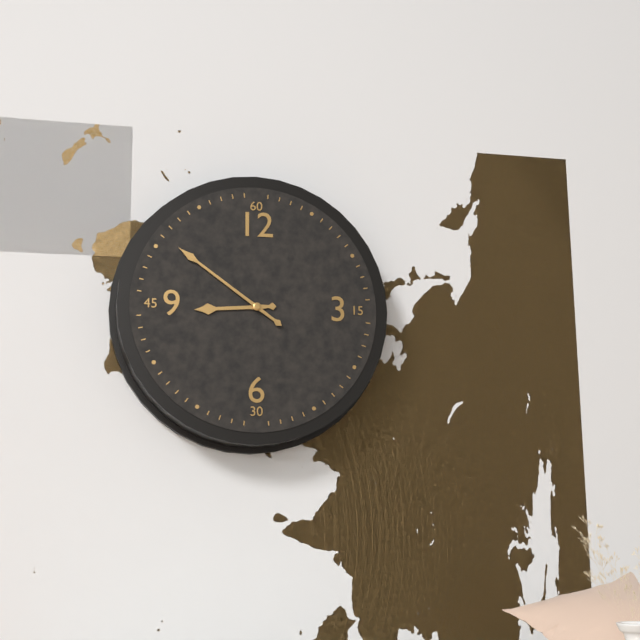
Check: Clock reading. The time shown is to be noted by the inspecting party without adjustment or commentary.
8:51
